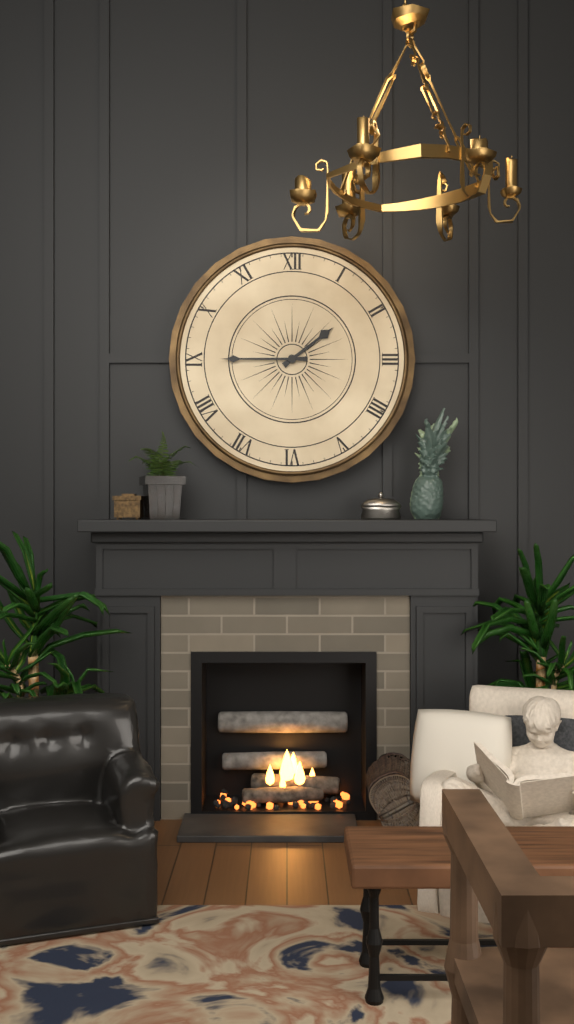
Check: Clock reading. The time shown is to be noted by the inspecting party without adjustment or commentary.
1:45
